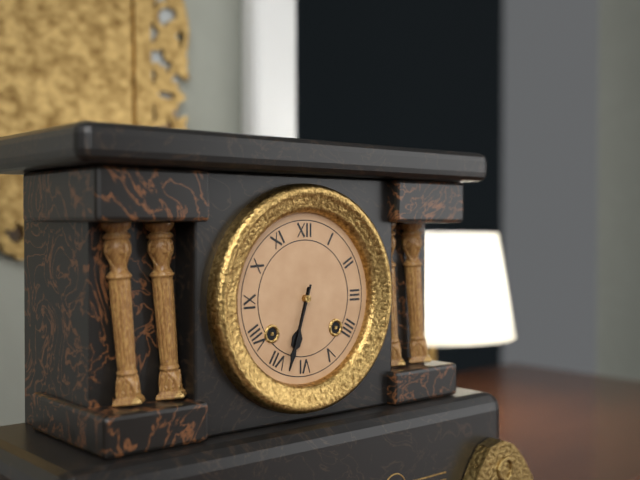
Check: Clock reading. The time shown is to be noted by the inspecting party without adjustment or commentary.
6:33
